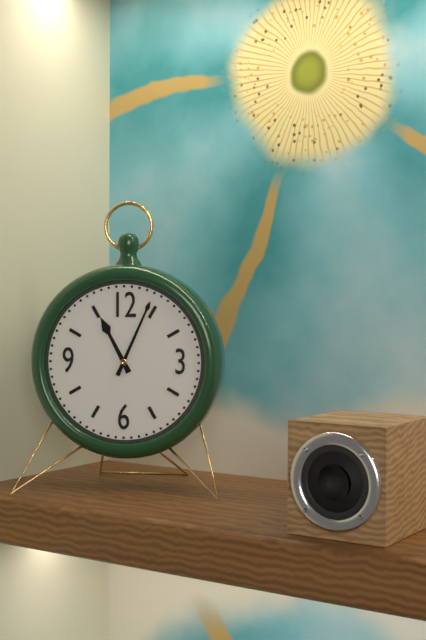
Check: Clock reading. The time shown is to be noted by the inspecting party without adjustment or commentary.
11:04
